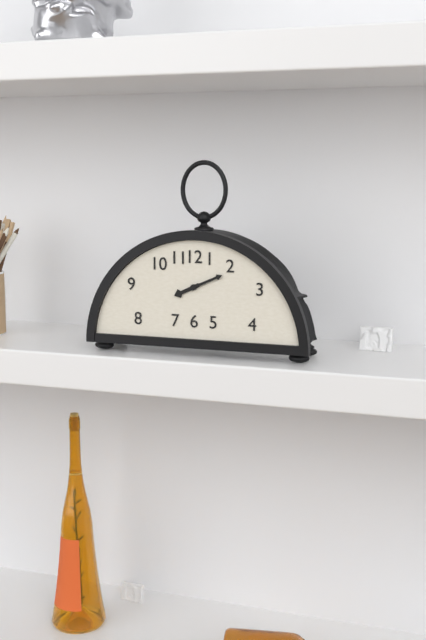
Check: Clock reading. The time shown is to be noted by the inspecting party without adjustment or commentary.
8:11
